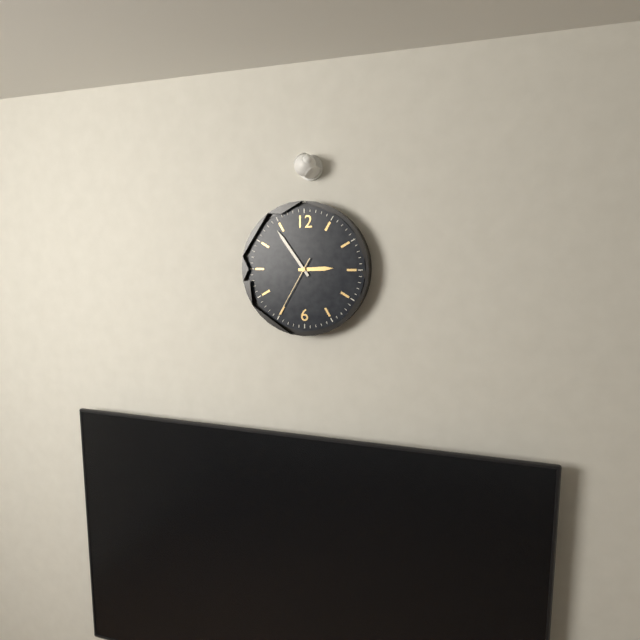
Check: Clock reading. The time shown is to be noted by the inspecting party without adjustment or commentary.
2:54:35
